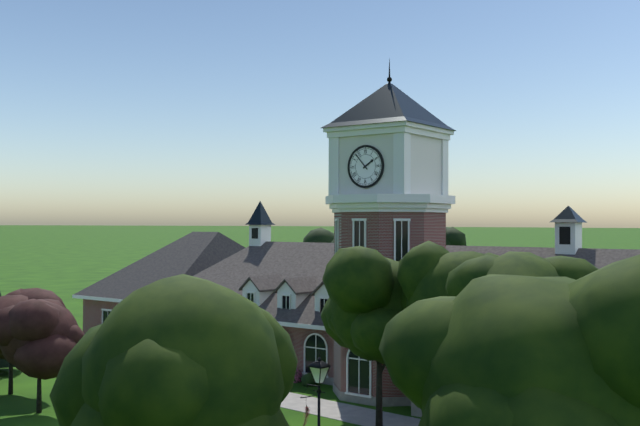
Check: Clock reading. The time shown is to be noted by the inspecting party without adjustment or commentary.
1:53
